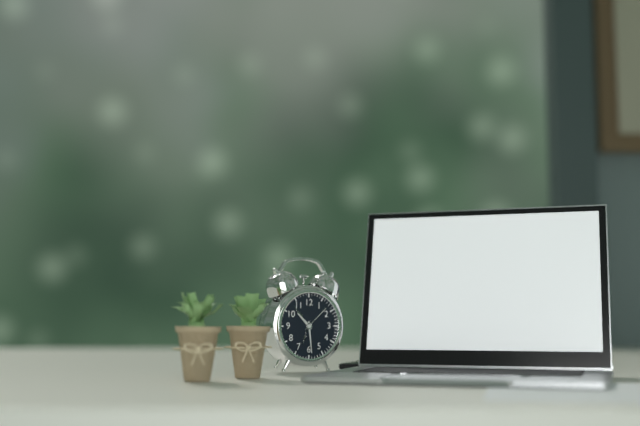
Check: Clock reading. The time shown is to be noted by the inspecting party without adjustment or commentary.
10:29
